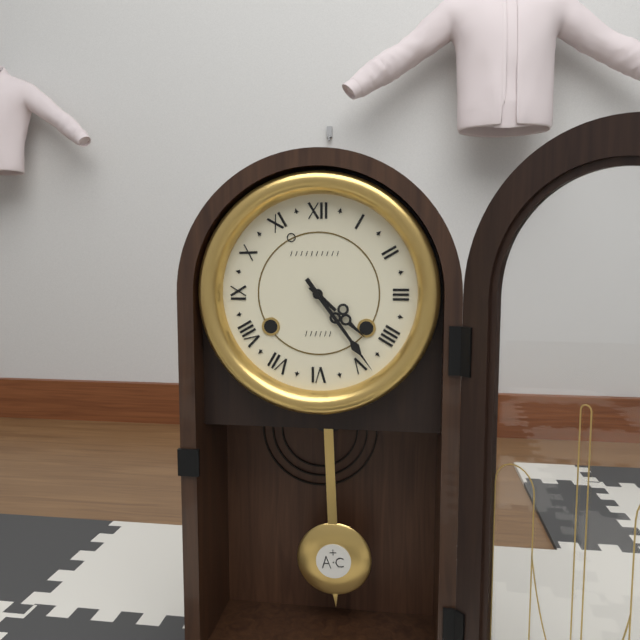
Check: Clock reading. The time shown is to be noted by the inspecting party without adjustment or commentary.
4:24
